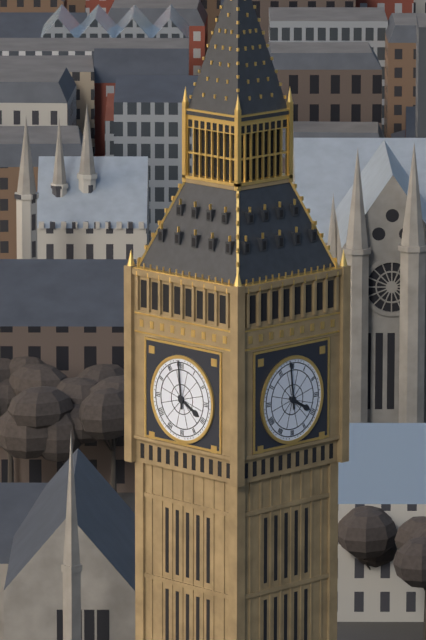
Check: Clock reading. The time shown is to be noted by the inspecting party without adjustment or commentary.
3:59
